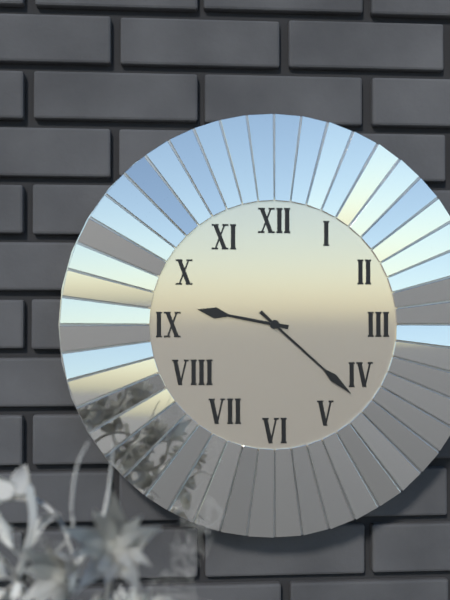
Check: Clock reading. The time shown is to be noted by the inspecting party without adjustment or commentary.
9:22
